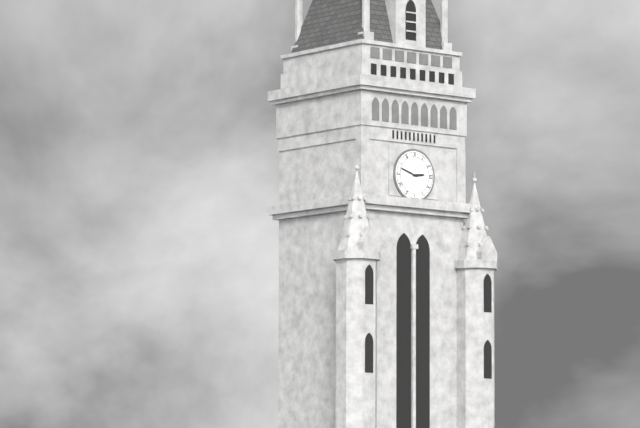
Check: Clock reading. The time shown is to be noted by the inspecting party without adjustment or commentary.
2:48
